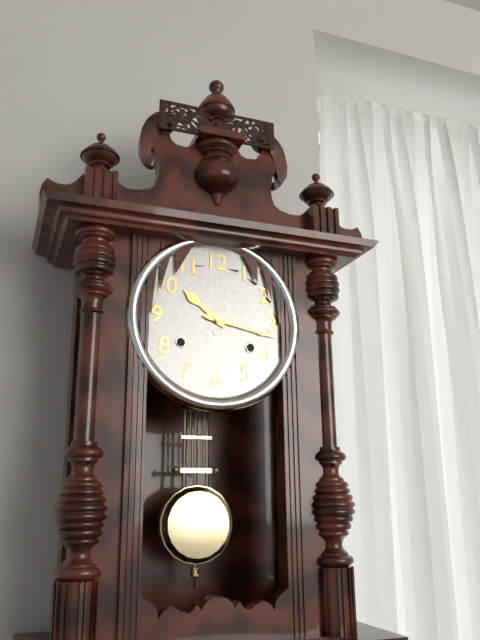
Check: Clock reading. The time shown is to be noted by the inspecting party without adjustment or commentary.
10:17
